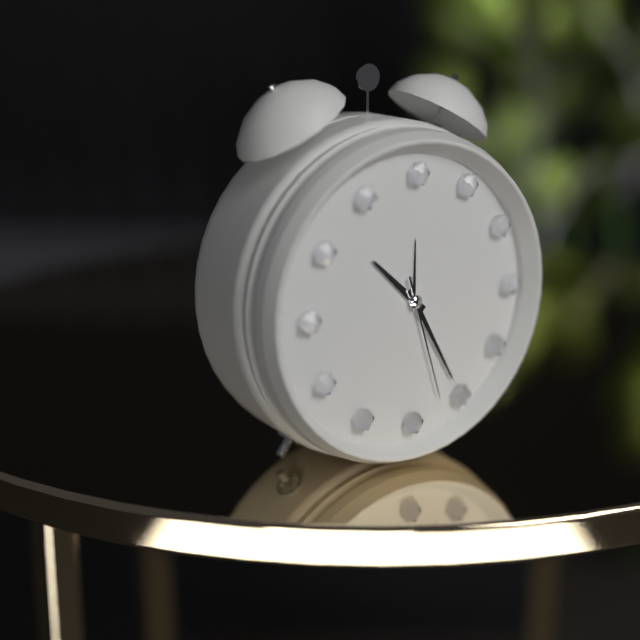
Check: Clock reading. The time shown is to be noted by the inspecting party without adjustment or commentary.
10:25:27
